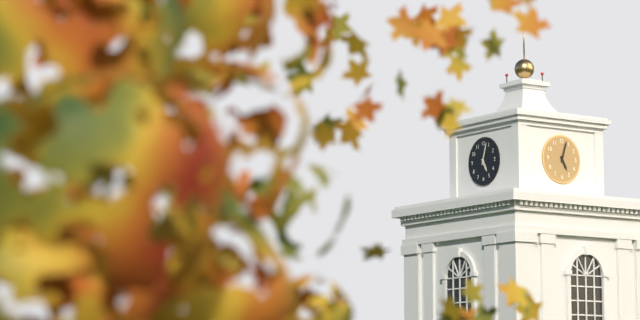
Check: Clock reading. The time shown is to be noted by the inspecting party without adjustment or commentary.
5:03
